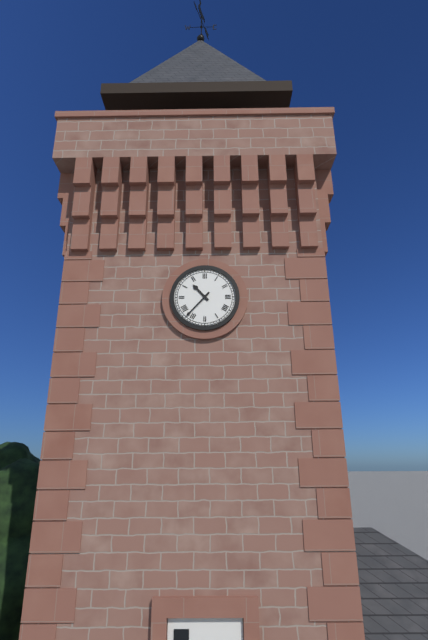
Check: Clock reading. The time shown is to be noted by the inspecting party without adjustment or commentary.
10:37
